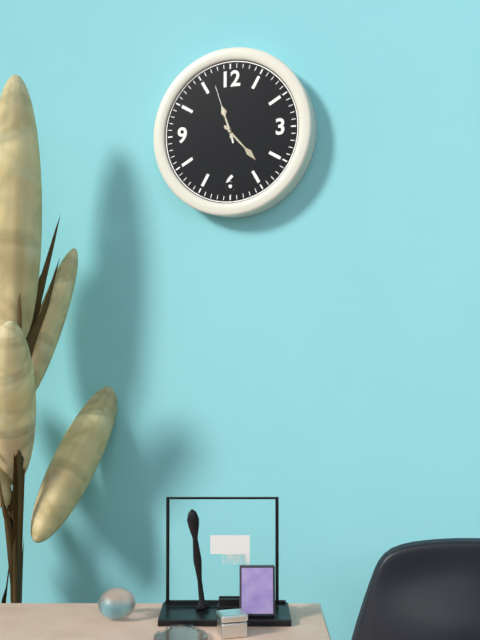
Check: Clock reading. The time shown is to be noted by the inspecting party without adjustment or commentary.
11:23:57
